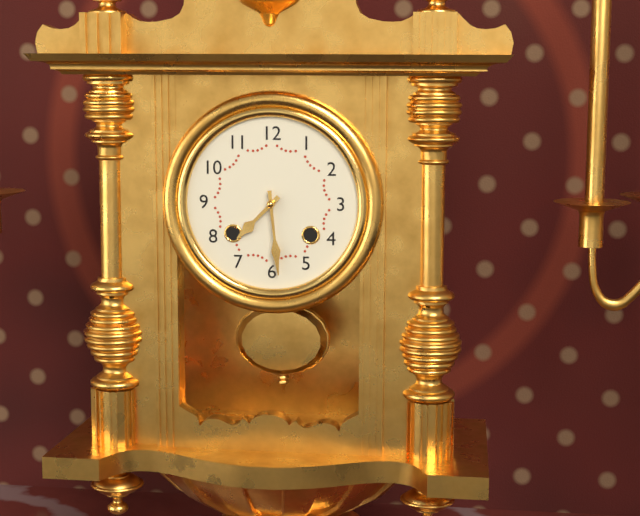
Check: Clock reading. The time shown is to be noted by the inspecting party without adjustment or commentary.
7:29
